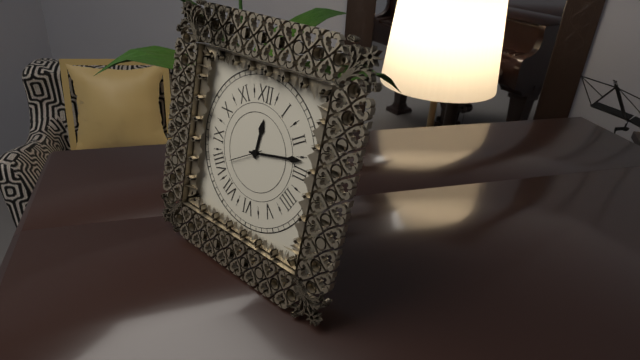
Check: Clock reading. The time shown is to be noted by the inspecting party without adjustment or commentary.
12:13
